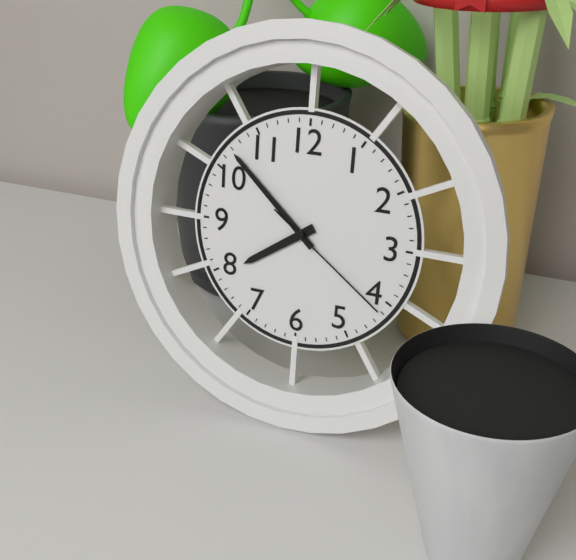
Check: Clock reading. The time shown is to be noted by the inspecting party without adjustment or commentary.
7:52:21
